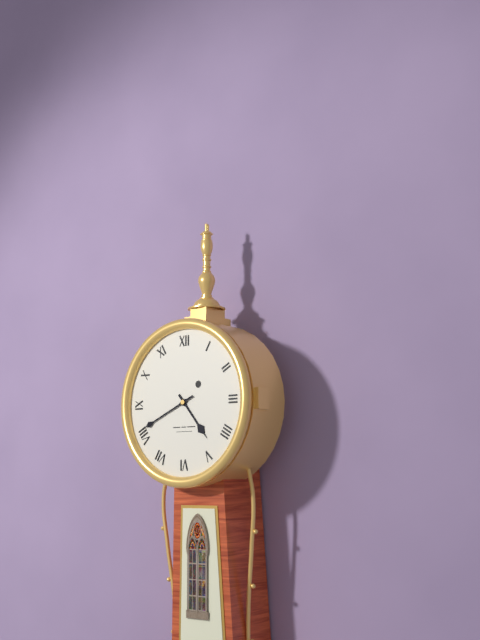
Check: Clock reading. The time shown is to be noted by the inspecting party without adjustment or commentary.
4:41
